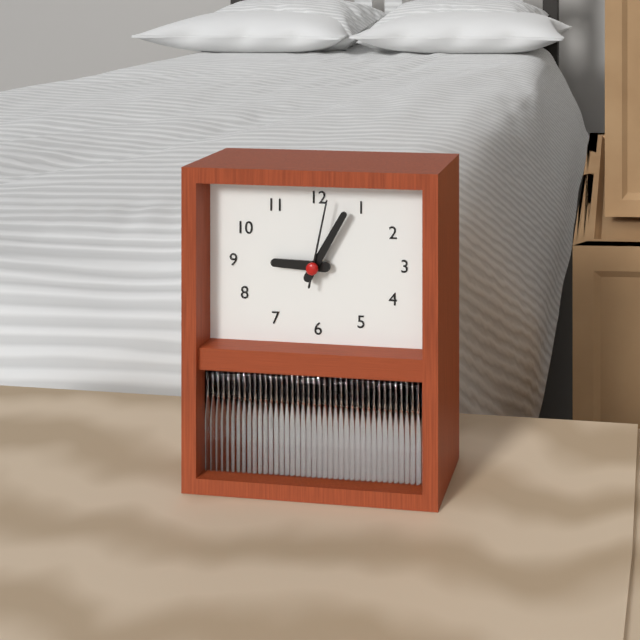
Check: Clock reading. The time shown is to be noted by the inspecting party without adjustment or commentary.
9:05:02
